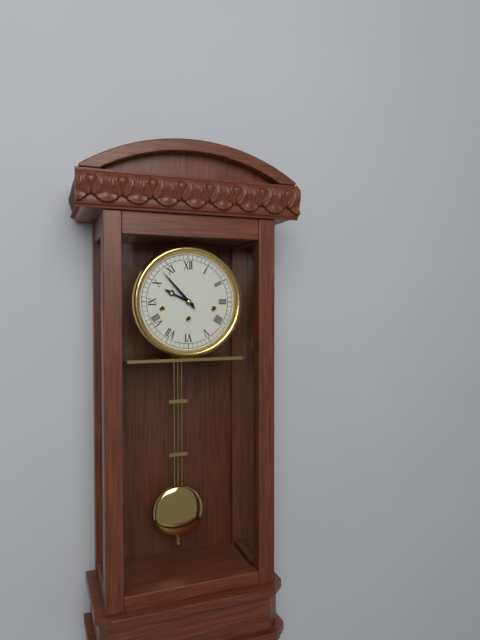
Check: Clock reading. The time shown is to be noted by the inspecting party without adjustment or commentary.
9:53
